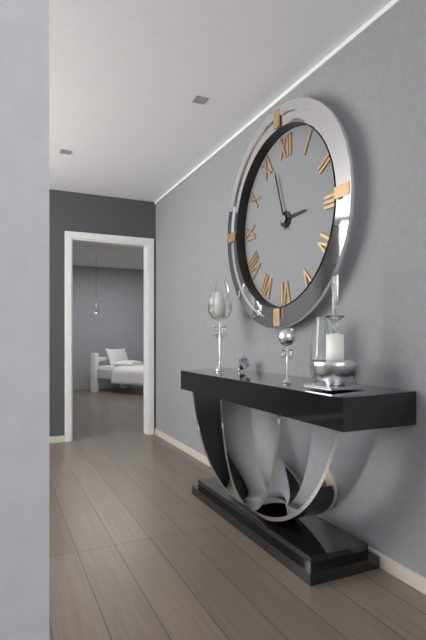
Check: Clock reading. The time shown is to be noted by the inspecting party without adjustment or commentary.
2:57
